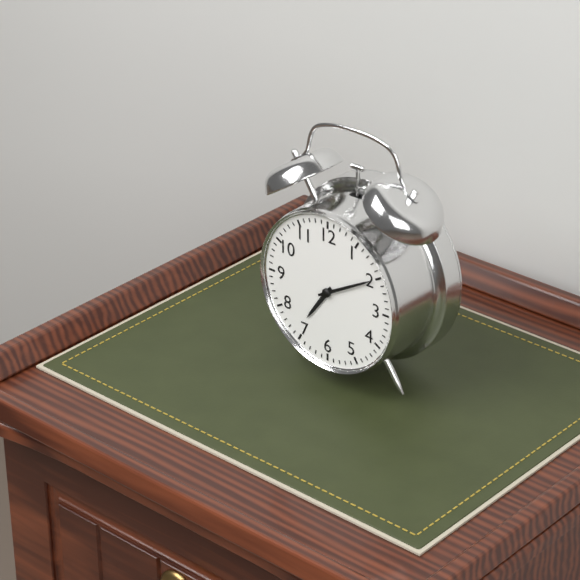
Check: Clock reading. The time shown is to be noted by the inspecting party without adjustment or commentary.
7:10
